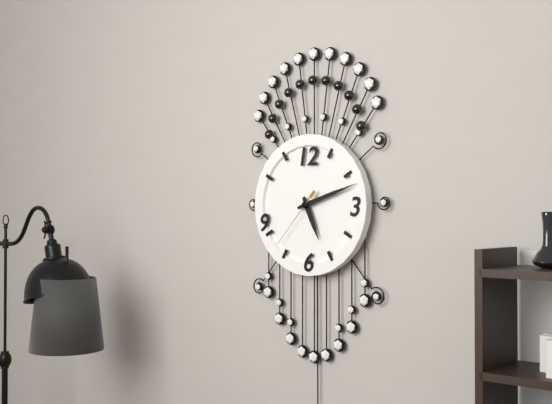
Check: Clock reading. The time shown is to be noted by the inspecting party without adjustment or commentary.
5:12:37
